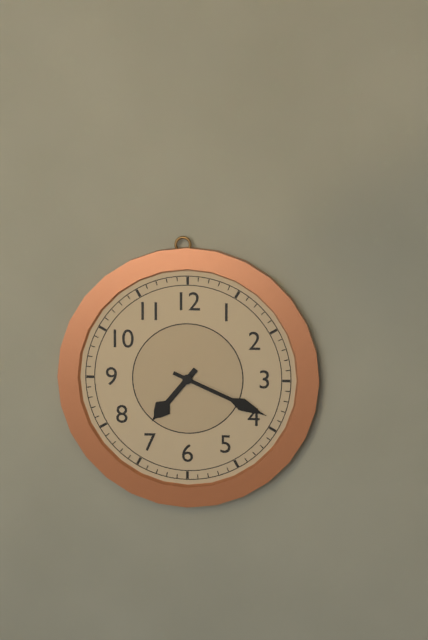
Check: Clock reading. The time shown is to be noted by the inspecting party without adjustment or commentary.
7:19
